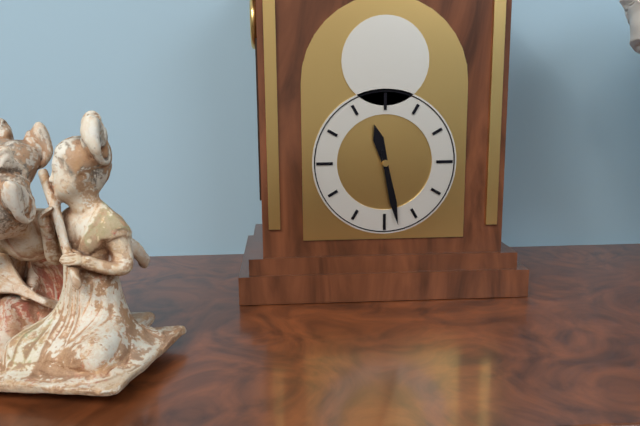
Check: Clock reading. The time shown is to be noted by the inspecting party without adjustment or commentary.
11:28
